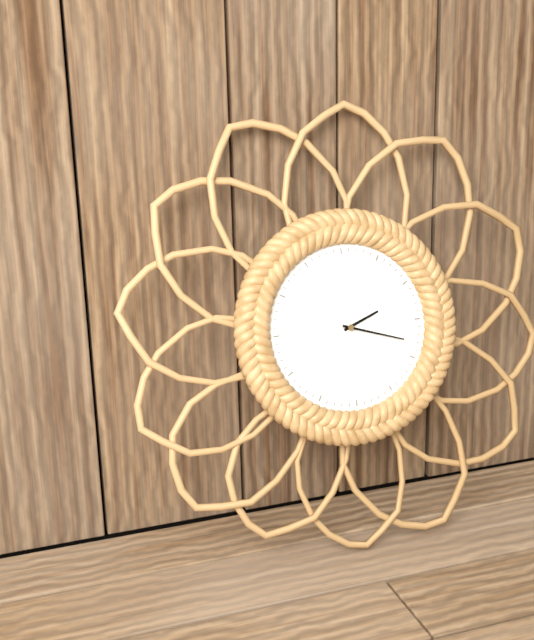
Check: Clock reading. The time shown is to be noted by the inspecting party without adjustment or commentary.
2:18
